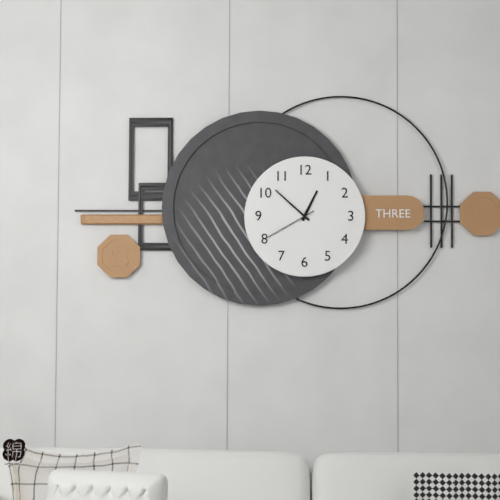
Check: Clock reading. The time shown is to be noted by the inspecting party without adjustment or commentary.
12:52:40
